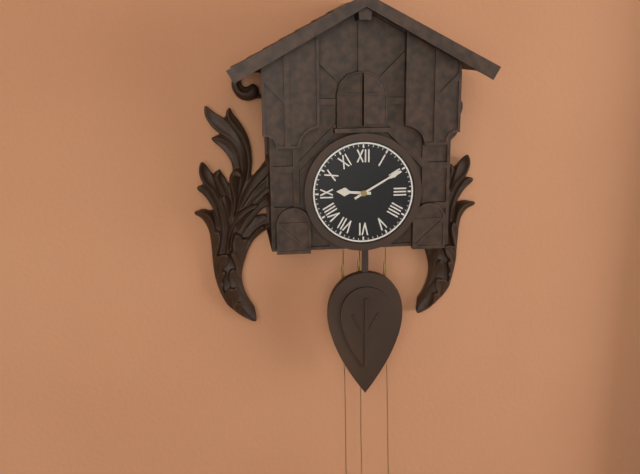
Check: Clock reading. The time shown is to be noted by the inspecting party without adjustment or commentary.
9:10
